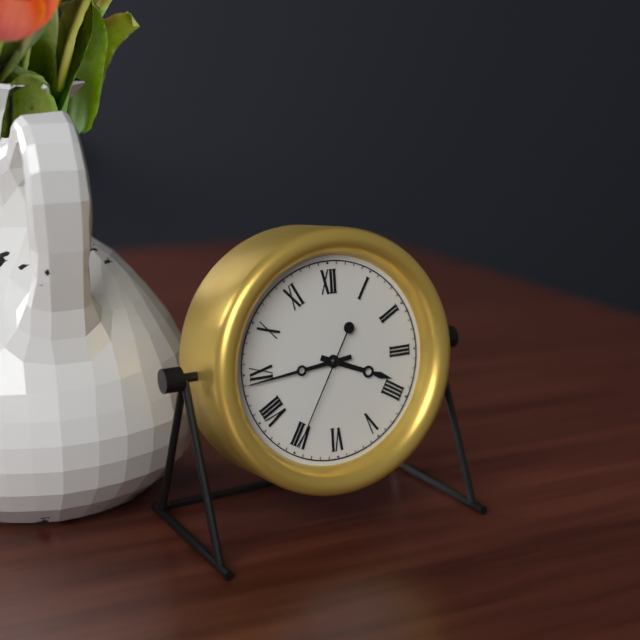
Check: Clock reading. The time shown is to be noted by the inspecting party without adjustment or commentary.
3:44:35
